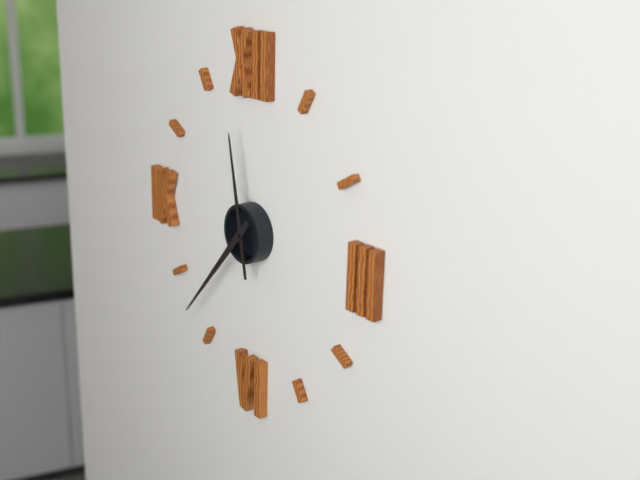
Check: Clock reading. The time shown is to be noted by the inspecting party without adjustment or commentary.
11:37
